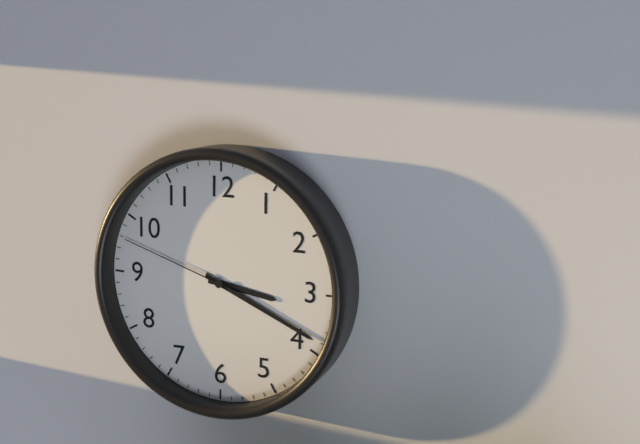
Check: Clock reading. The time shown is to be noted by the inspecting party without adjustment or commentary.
3:19:48
